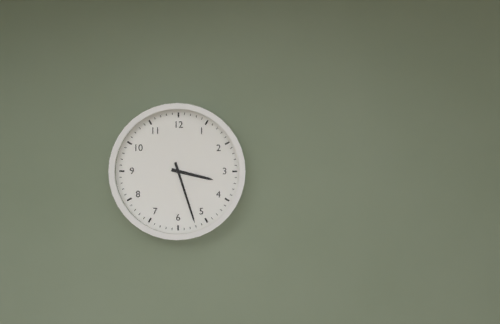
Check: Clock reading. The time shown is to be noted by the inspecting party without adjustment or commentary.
3:27
